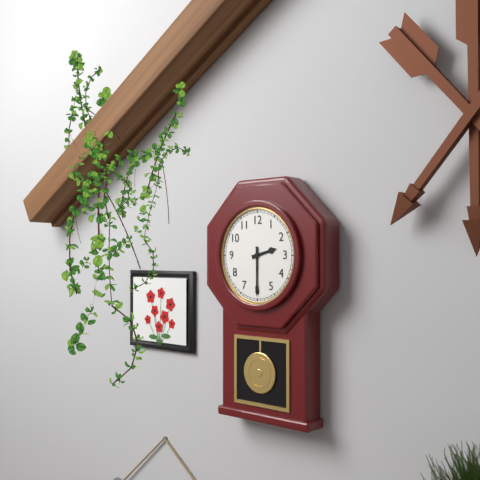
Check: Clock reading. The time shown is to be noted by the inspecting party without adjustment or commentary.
2:30
